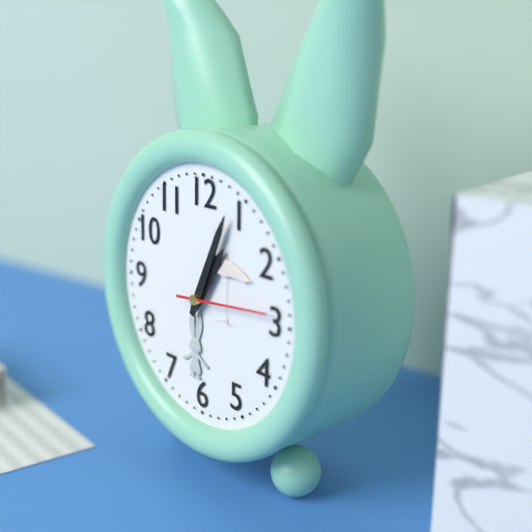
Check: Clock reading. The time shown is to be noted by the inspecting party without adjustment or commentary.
1:04:14
